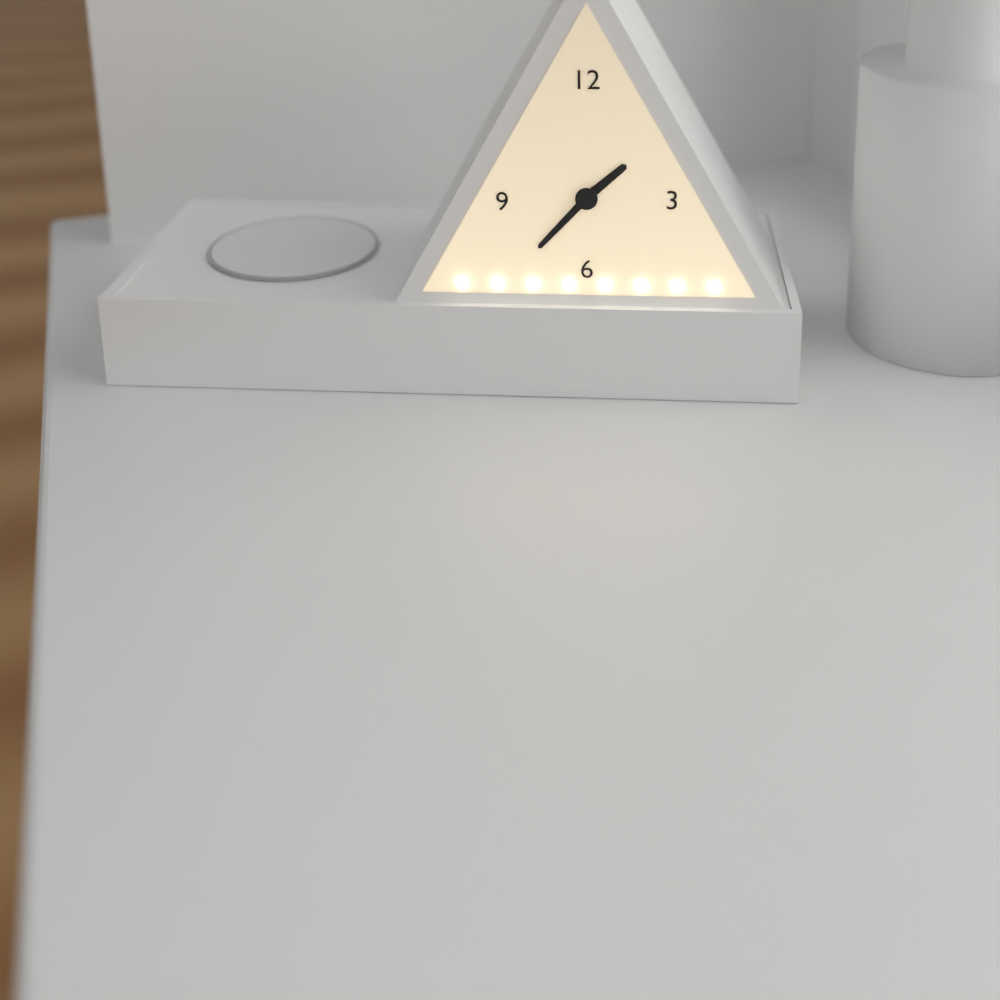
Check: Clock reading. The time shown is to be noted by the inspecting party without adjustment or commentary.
1:37
